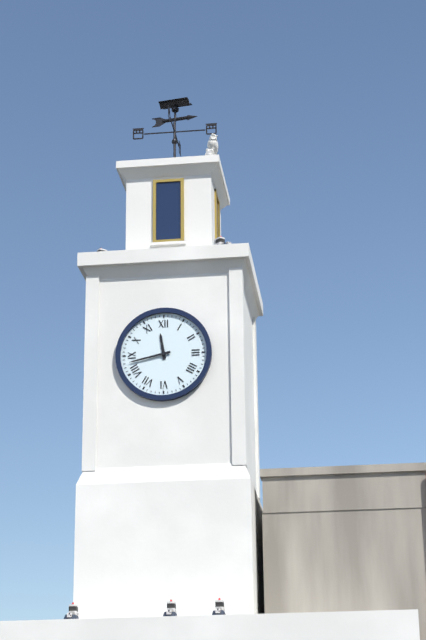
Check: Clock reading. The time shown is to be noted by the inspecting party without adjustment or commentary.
11:43
